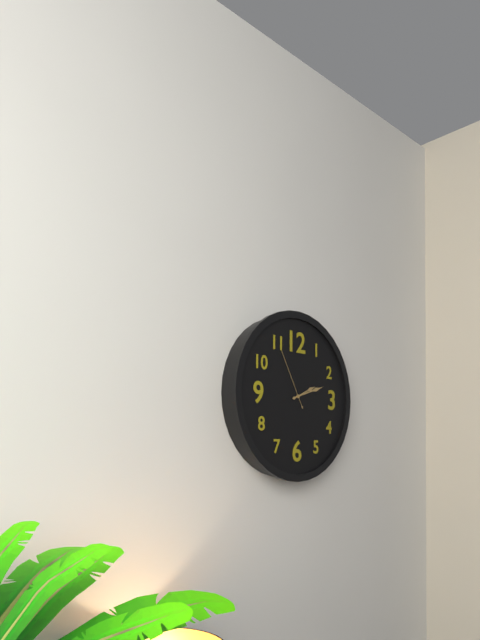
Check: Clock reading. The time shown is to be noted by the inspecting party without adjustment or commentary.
2:12:55
